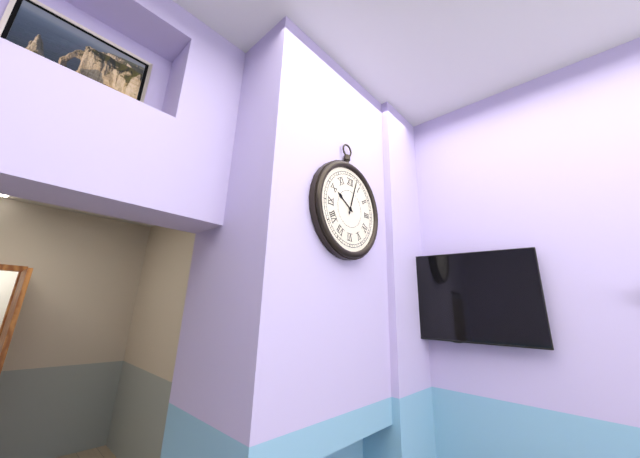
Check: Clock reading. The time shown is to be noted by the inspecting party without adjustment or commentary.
10:03
